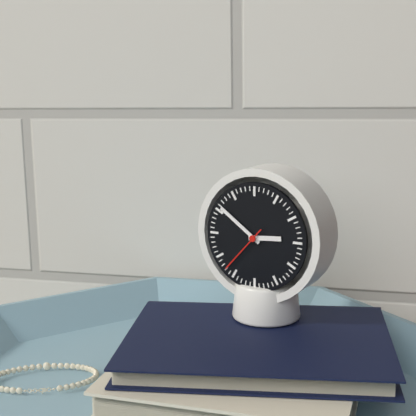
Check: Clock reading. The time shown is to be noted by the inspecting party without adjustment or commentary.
2:51:37
